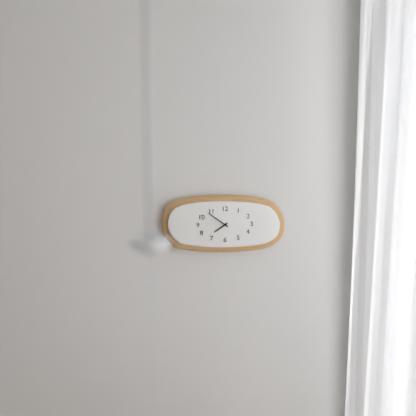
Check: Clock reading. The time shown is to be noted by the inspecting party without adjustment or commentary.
7:51
